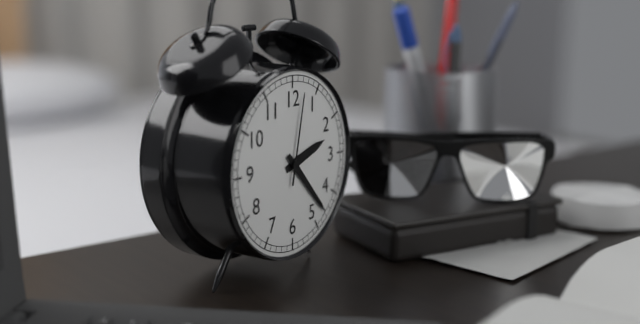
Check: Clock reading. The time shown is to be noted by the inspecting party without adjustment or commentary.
2:23:02
